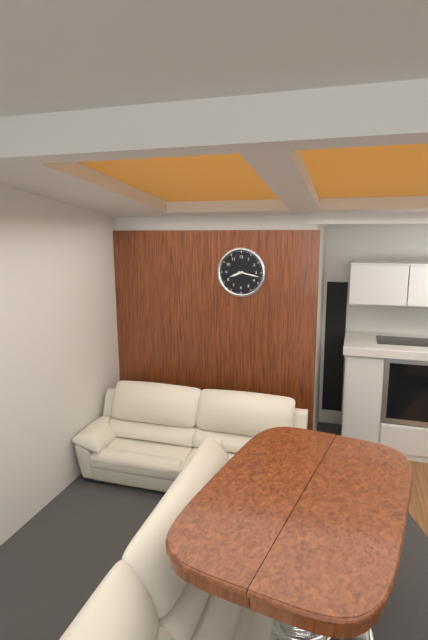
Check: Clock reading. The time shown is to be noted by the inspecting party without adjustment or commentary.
8:17
